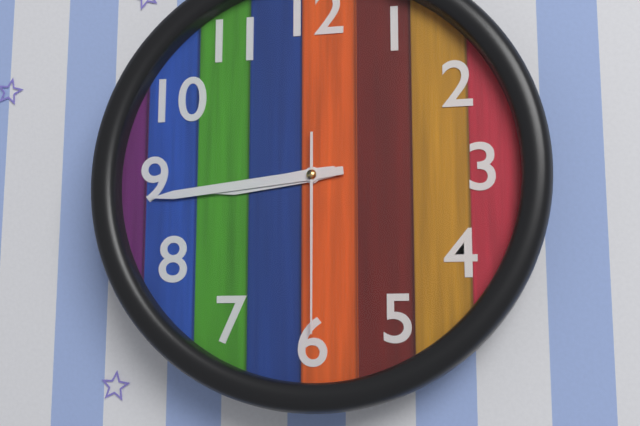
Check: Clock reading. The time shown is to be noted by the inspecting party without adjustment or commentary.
8:44:30
